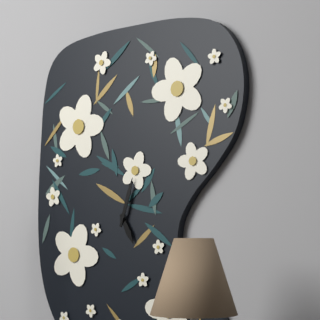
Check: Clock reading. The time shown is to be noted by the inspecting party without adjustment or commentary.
5:03
